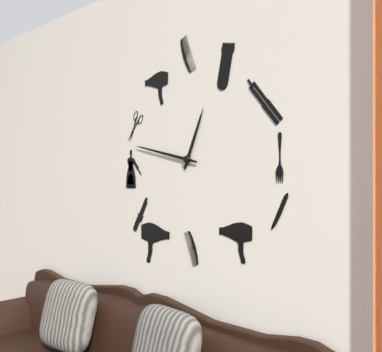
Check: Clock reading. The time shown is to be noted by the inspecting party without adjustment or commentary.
12:47
